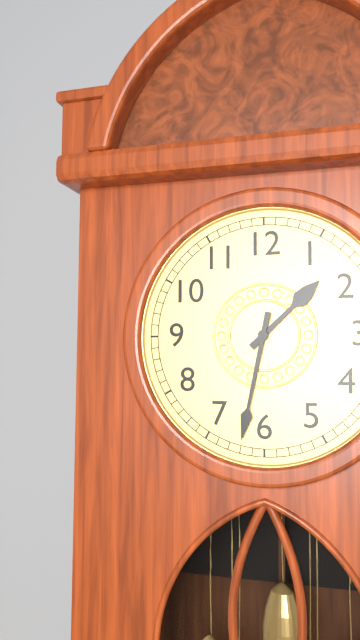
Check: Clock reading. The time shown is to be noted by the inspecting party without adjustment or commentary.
1:32
